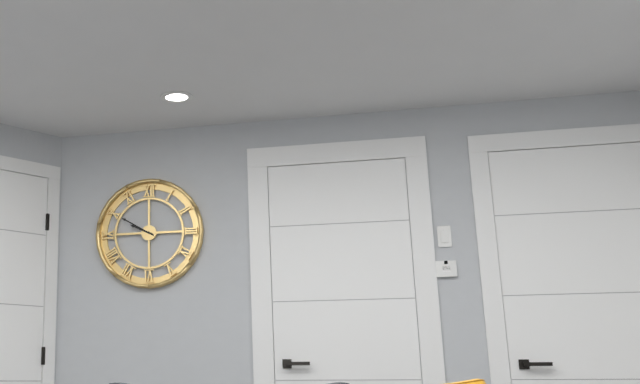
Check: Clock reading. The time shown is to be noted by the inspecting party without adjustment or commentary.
9:50
